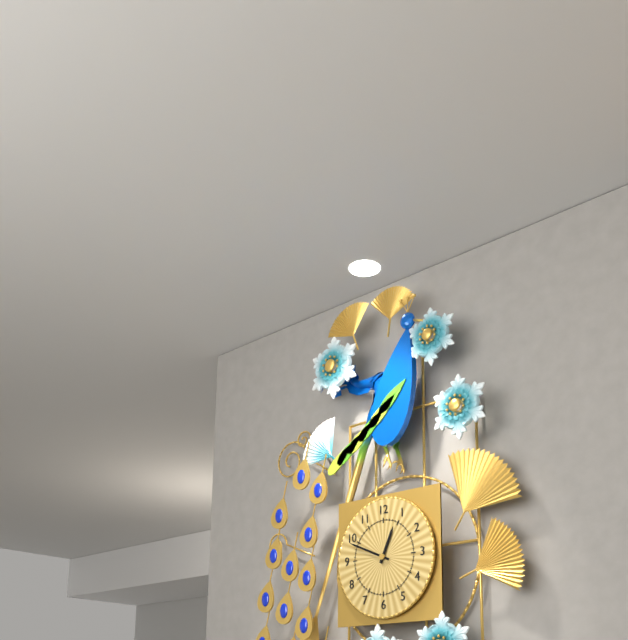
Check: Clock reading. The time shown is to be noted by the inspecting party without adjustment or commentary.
12:49
